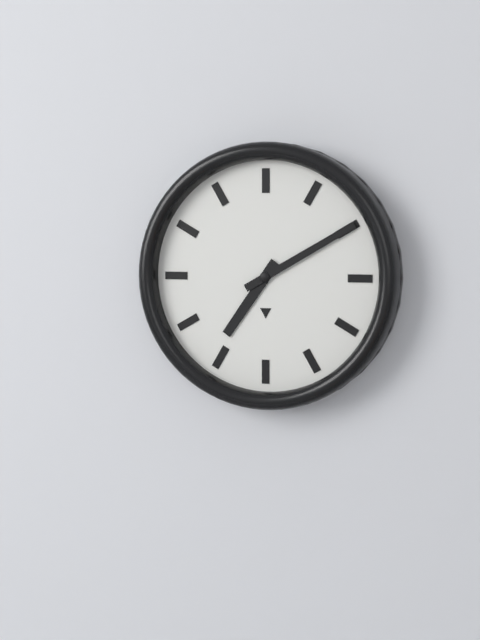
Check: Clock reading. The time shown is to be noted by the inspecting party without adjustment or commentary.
7:10
